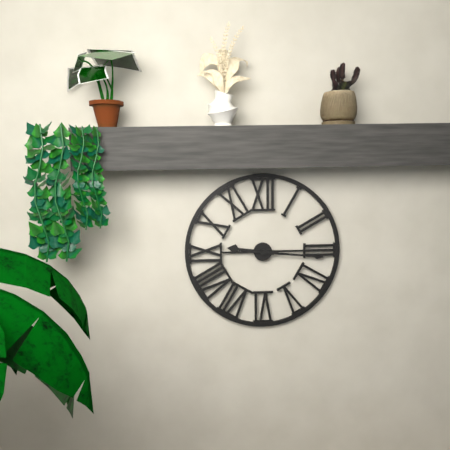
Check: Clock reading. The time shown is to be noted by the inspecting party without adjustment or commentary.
9:16
